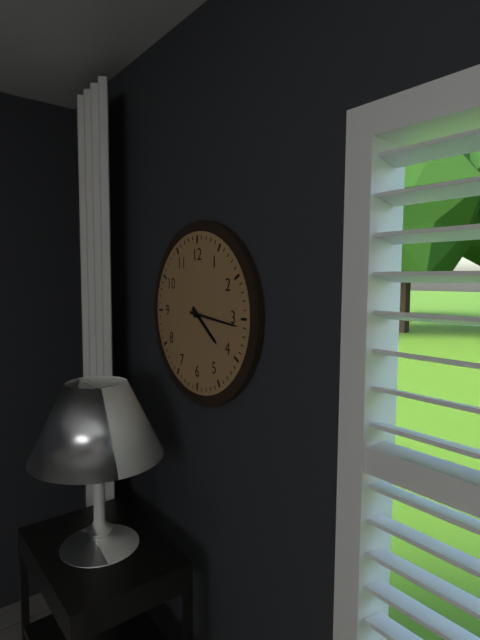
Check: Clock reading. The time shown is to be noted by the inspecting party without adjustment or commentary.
4:16
